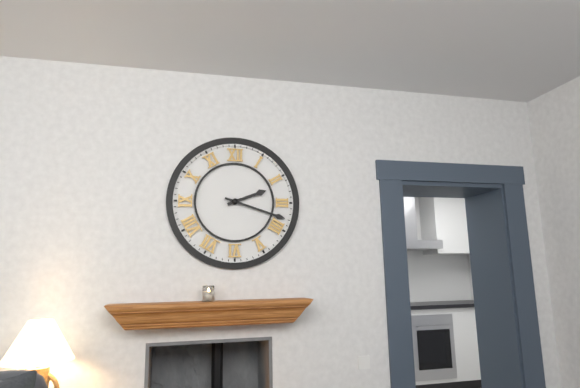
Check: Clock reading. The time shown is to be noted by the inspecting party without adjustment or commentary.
2:18
